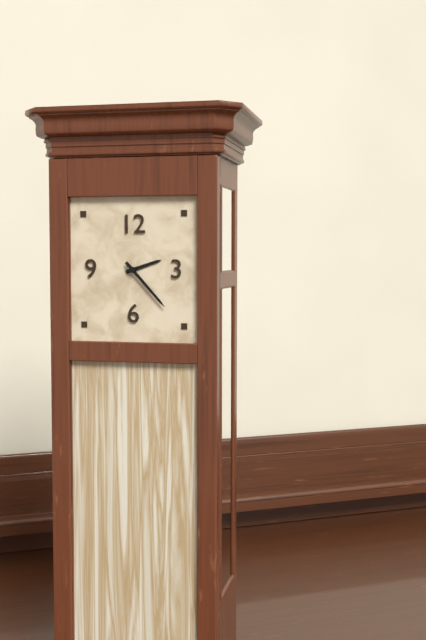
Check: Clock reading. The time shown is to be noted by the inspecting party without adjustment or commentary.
2:23
